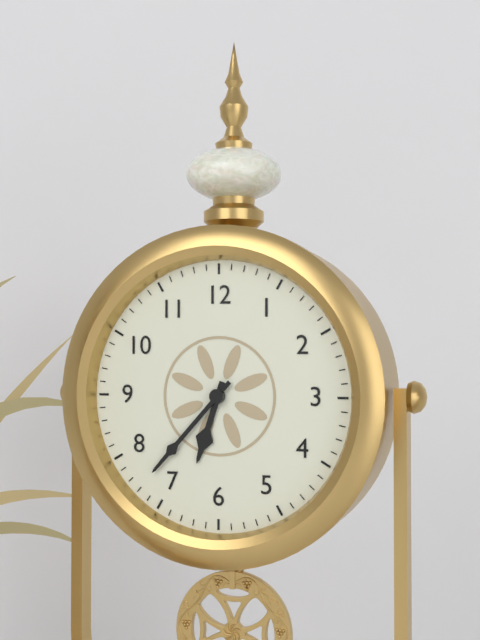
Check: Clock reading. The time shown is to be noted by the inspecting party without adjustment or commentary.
6:37
